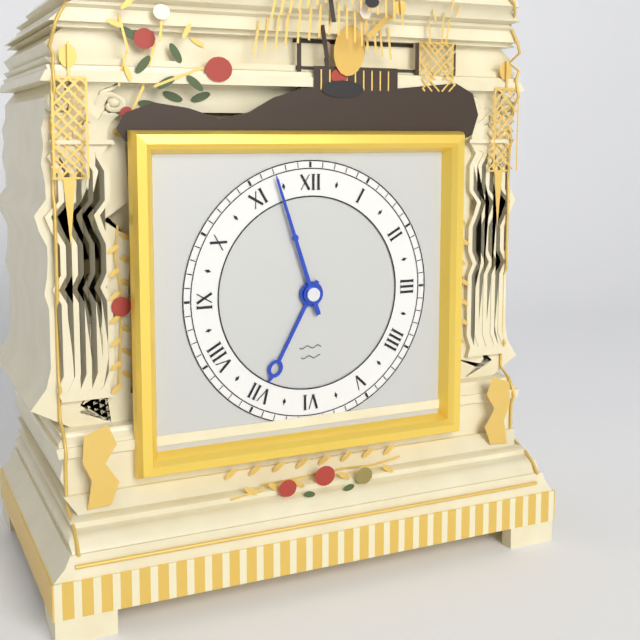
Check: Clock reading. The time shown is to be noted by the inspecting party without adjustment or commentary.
6:57
